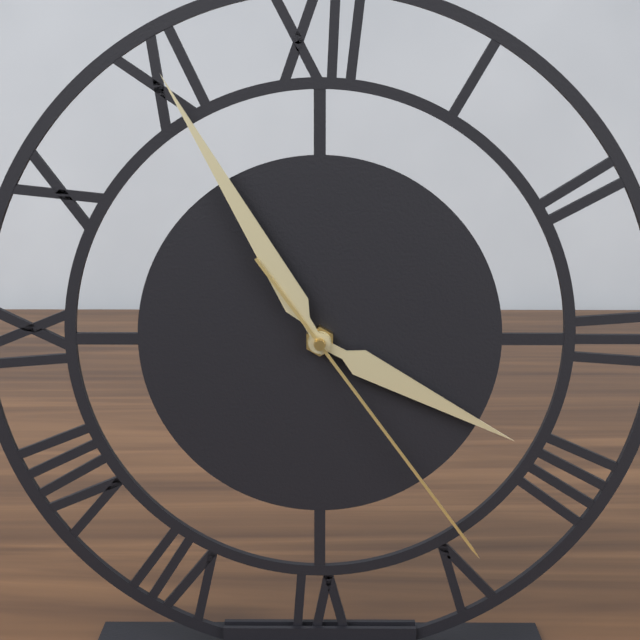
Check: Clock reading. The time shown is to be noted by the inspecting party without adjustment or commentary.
3:55:24
